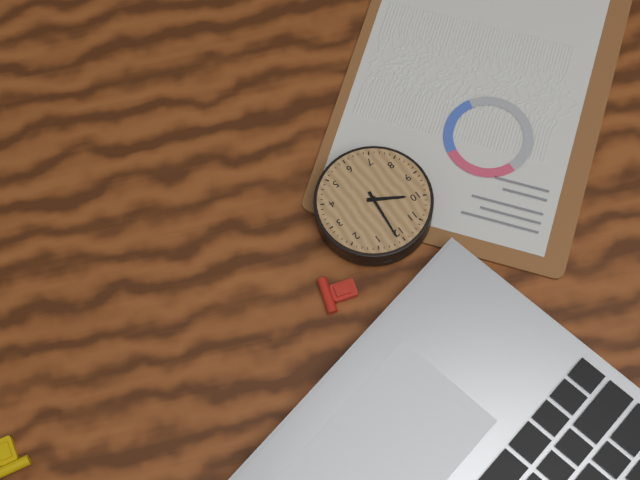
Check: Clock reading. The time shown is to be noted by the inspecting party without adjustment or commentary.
10:01
